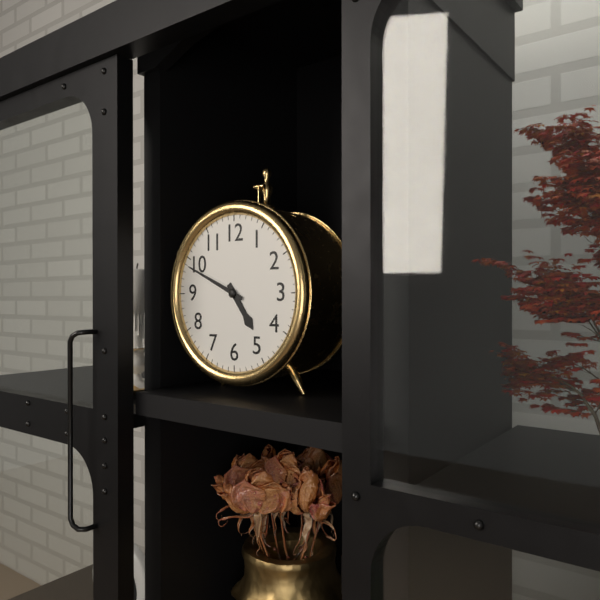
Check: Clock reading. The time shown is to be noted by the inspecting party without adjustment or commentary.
4:49
